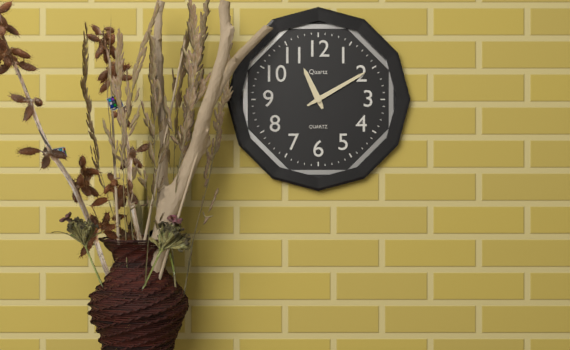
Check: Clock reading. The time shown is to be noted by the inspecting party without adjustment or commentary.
11:10
